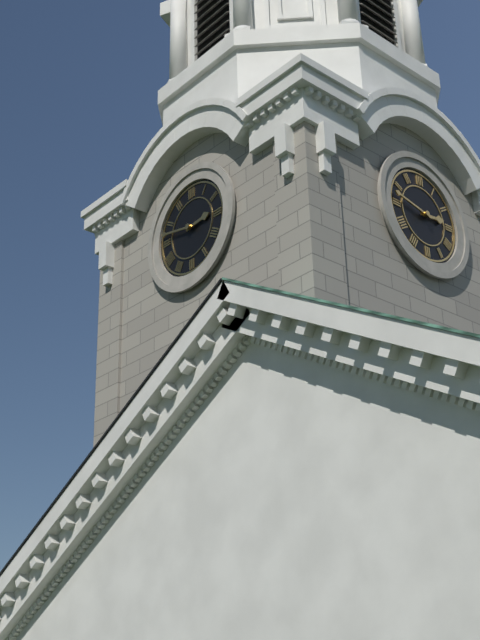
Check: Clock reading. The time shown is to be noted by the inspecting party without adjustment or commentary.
2:47
